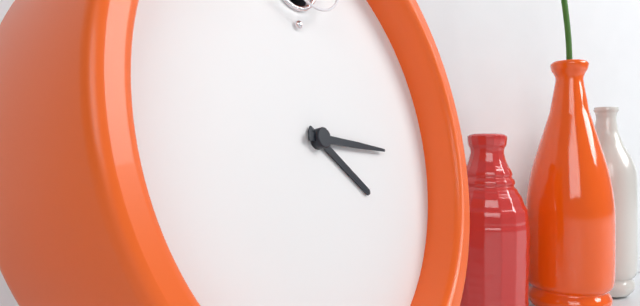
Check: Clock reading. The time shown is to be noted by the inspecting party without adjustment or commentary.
4:16
